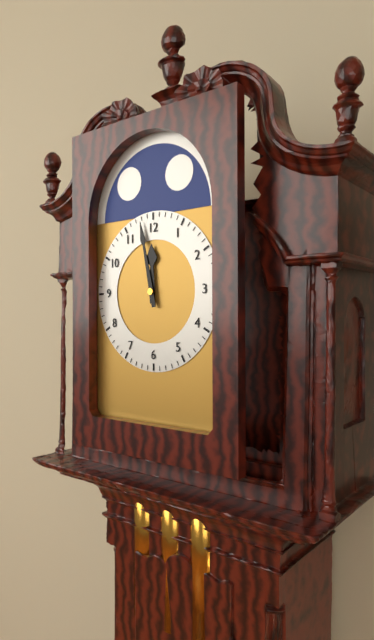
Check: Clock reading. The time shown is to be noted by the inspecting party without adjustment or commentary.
11:58
